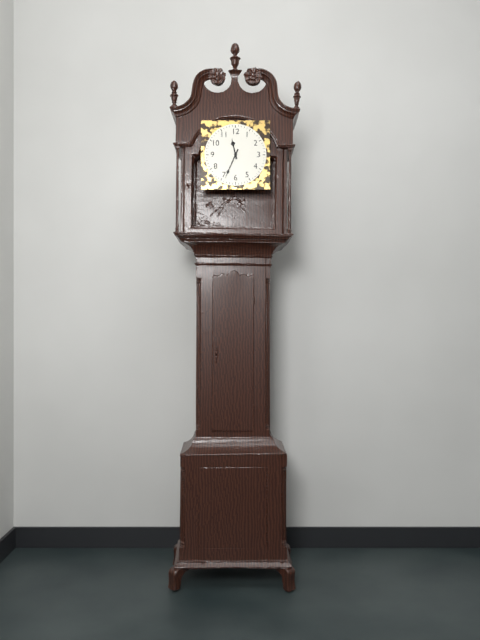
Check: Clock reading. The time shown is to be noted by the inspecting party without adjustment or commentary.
11:34
